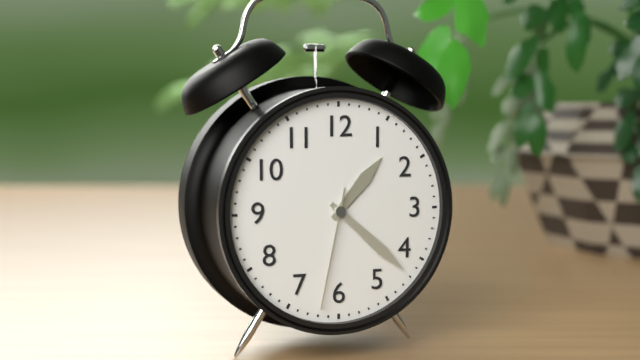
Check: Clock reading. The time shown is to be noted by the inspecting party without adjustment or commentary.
1:22:32
